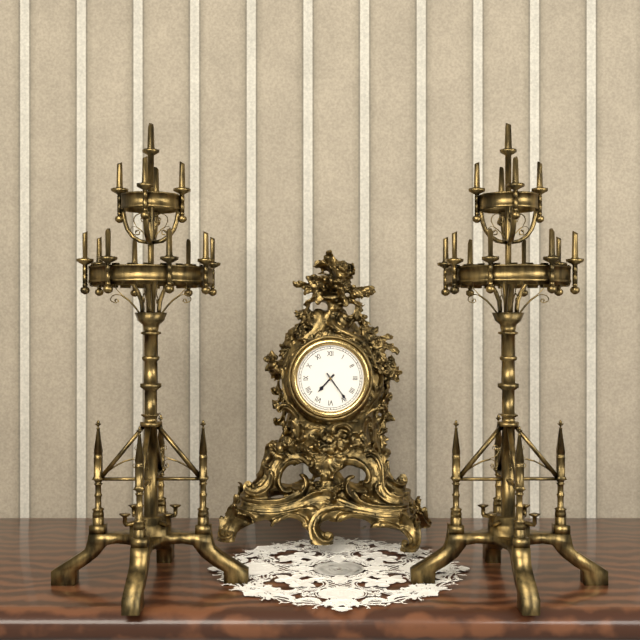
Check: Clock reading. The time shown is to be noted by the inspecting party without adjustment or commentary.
7:24
